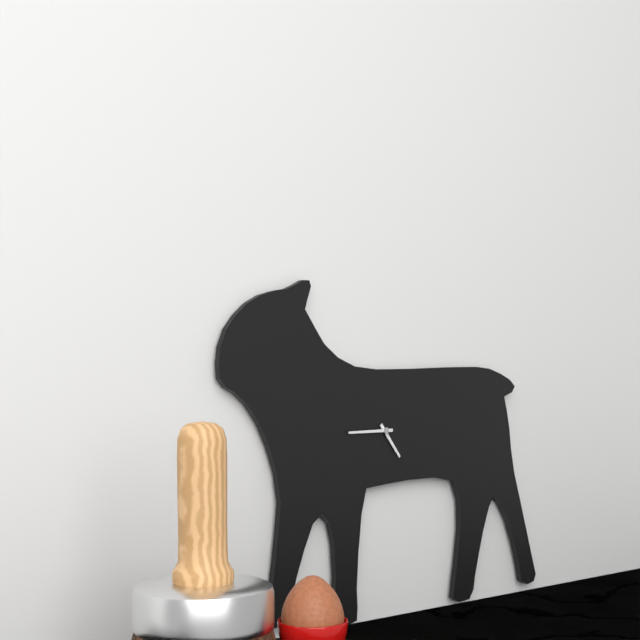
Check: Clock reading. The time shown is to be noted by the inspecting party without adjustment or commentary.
4:45
